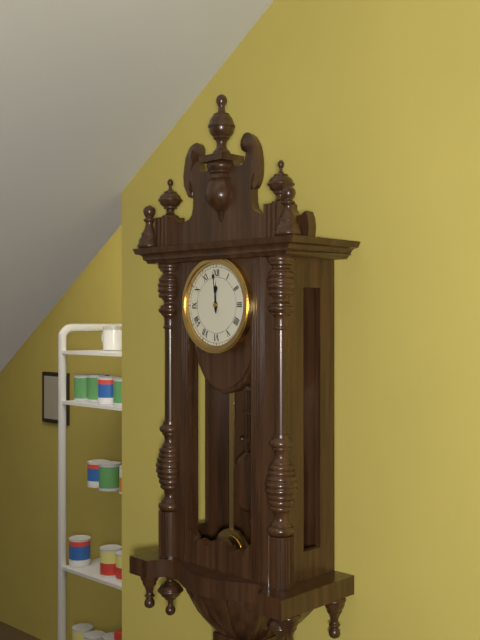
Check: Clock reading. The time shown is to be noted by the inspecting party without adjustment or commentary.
11:59
